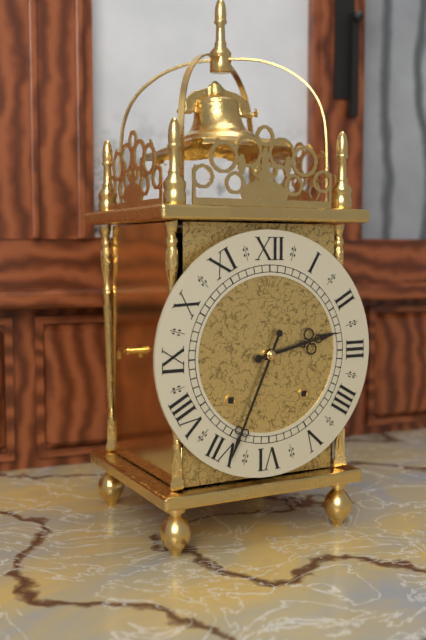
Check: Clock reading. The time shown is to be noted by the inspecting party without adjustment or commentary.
2:34
